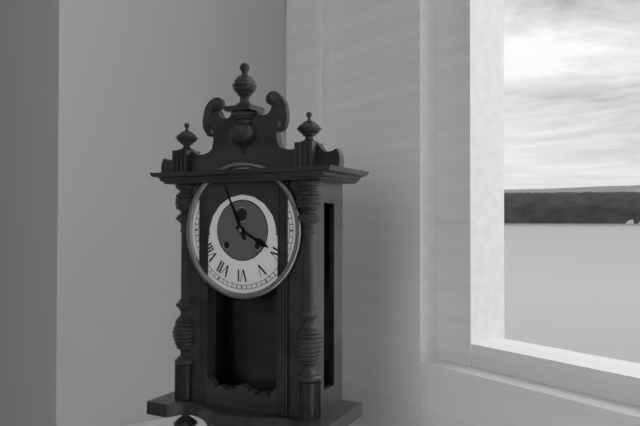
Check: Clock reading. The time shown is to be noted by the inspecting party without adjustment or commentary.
3:56
